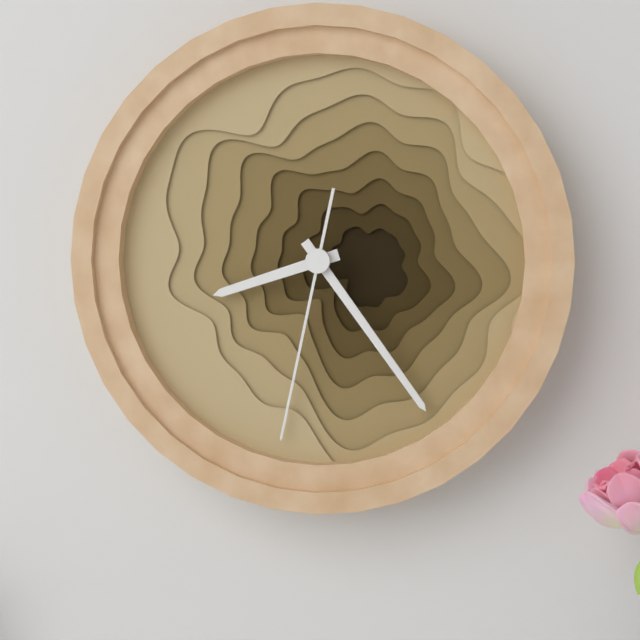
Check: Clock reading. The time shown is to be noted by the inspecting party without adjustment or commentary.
8:24:32
